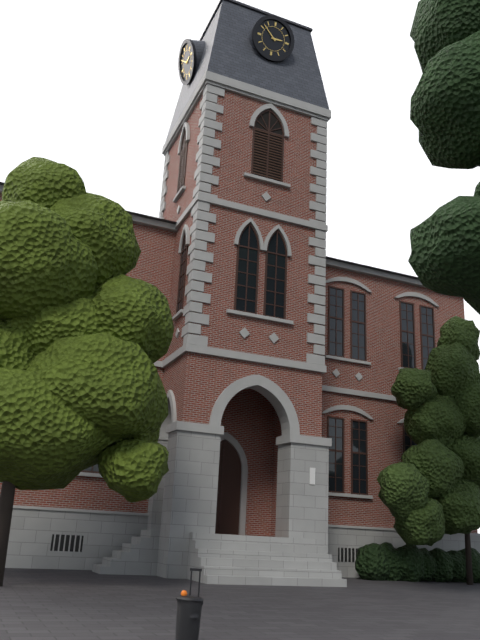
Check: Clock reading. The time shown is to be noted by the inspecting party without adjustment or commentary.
2:52
